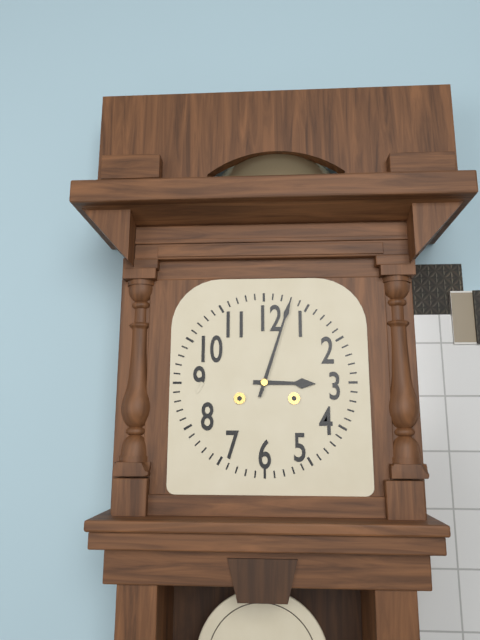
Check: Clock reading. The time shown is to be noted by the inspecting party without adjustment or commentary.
3:03
